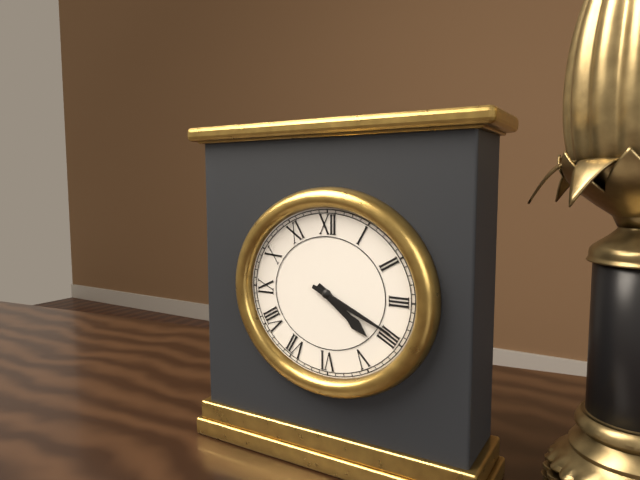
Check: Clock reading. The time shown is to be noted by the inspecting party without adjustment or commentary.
4:19
